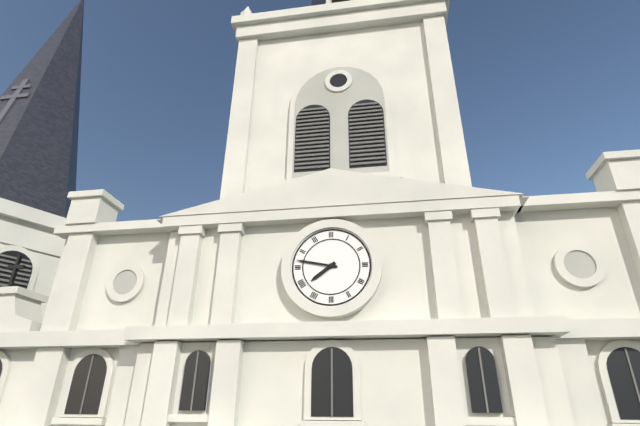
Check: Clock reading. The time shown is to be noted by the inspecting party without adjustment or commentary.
7:47
